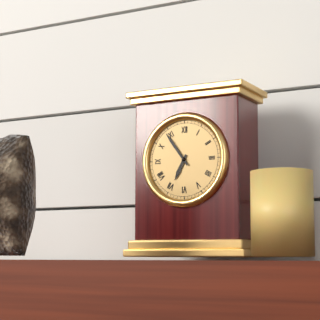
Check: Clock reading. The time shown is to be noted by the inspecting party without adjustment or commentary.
6:54
